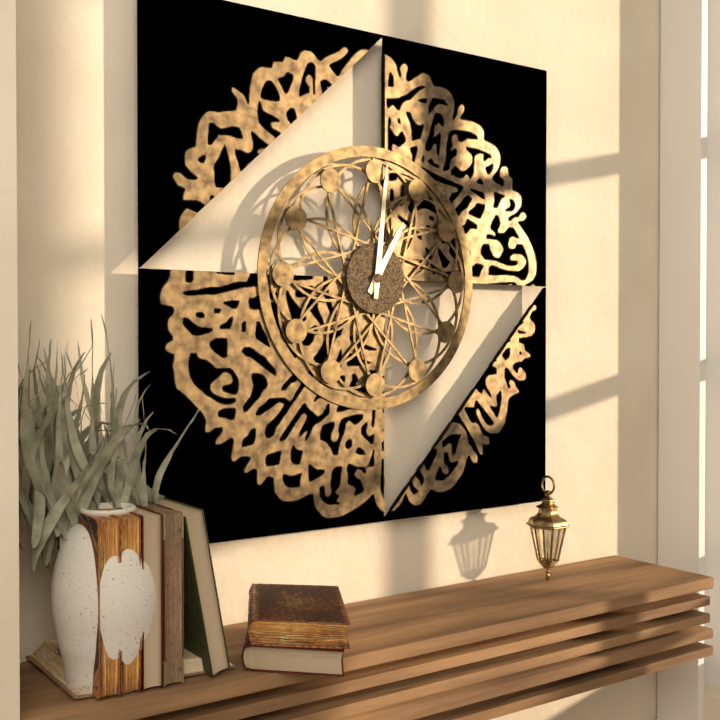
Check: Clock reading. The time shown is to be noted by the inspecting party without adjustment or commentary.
1:01
